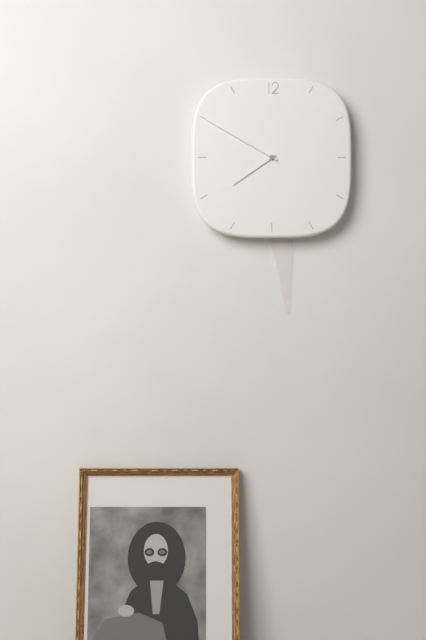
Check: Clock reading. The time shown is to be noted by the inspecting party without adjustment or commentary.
7:50
